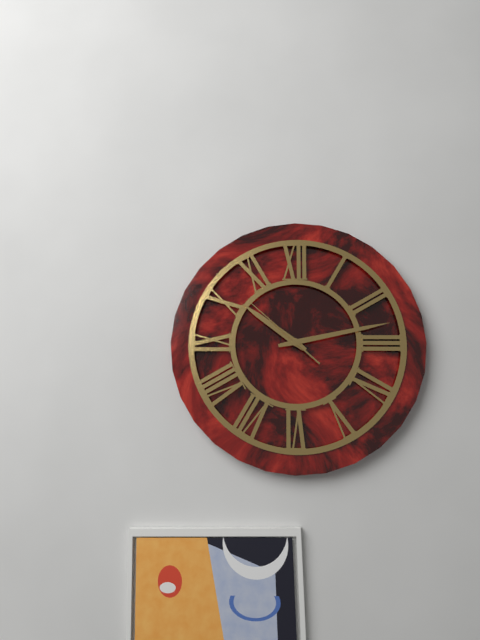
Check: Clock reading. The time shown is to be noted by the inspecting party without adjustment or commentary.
10:13:52
